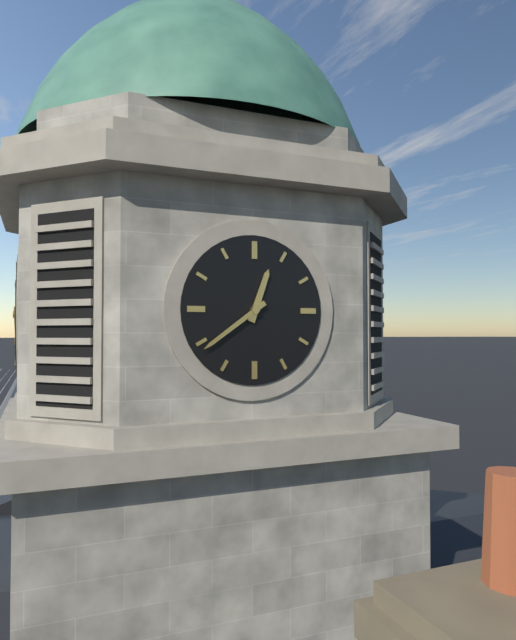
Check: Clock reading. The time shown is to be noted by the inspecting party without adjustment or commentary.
12:39
